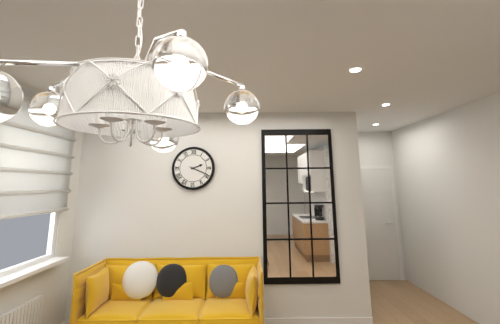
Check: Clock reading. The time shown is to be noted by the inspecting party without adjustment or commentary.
2:19
